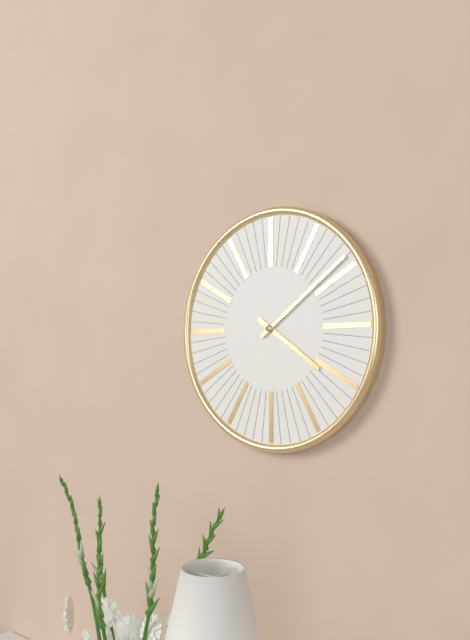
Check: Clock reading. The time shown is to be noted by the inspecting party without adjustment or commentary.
4:09
